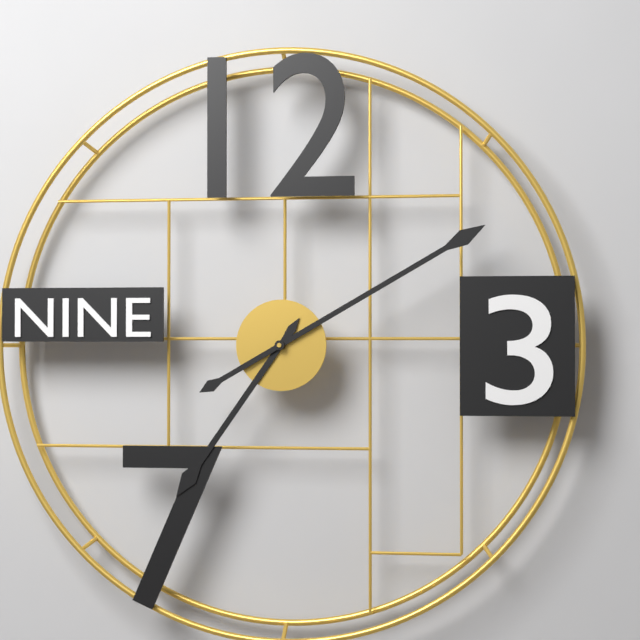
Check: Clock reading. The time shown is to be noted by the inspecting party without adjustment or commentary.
7:10
